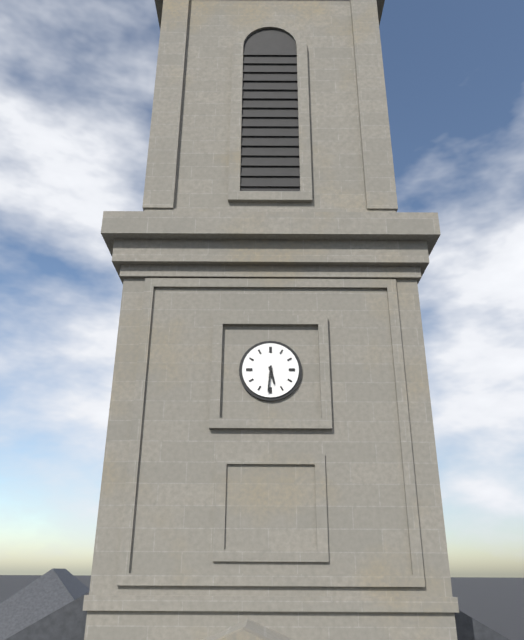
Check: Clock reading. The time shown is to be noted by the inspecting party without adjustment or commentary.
5:31
